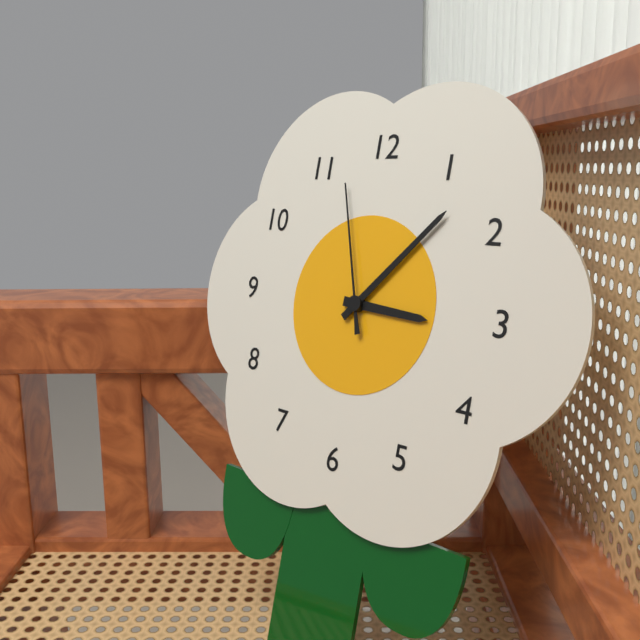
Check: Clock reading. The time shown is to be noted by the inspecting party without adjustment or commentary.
3:07:57
